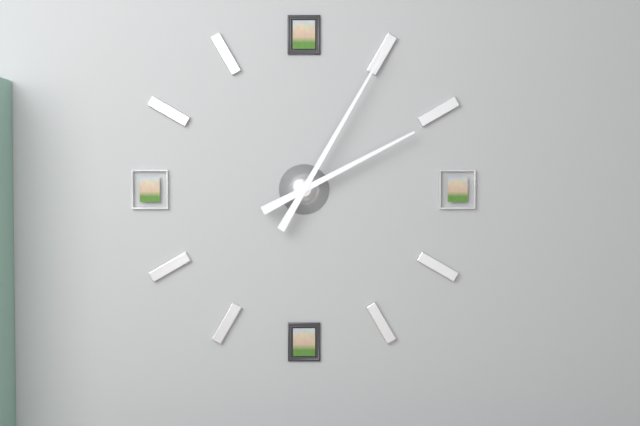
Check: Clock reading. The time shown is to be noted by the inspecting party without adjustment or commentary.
2:05
